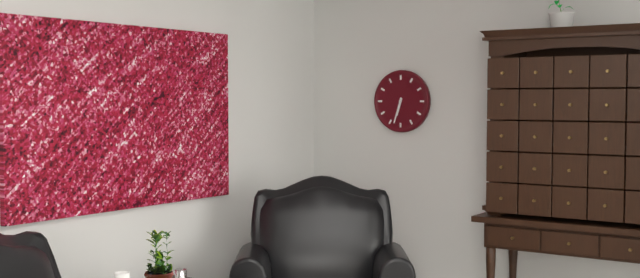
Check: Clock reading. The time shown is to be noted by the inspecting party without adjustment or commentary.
6:33
